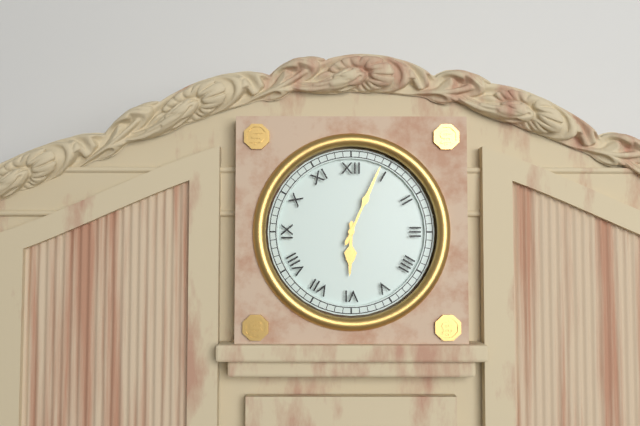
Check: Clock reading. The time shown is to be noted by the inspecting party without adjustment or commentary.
6:04
